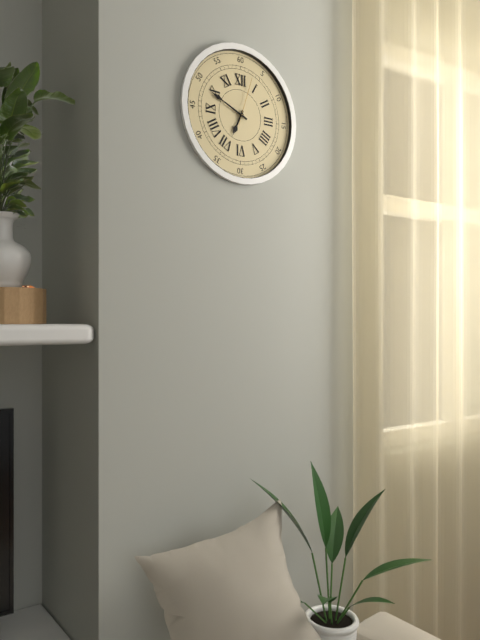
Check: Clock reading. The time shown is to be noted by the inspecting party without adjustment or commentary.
6:49:03
